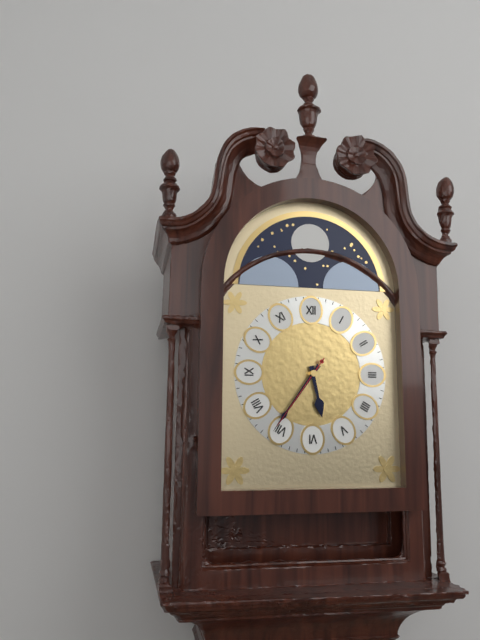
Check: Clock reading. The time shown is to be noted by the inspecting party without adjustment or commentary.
5:36:36
